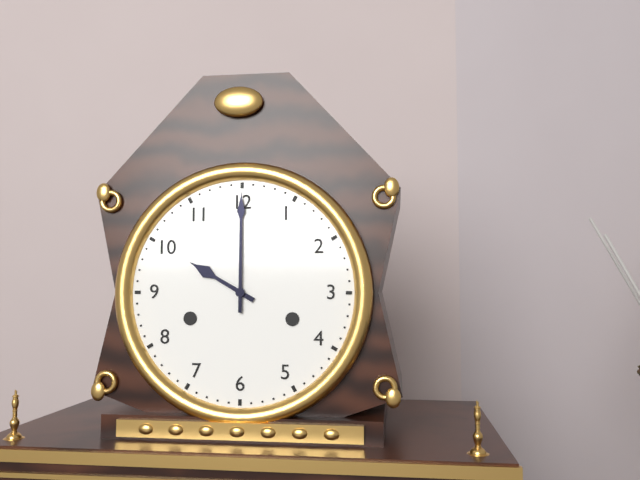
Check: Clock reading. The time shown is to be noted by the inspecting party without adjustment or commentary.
10:00
